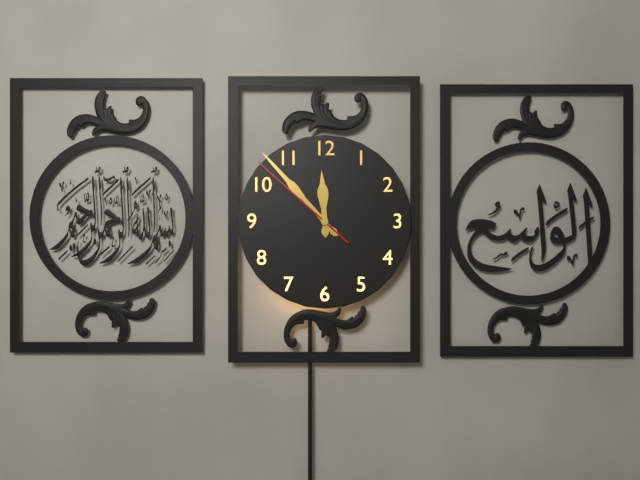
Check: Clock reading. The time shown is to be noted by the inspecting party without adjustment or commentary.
11:53:52
